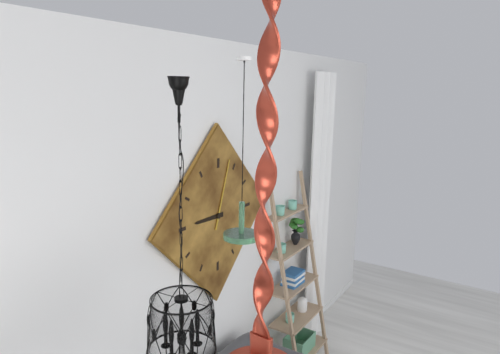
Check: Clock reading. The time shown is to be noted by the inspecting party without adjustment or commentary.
9:03
